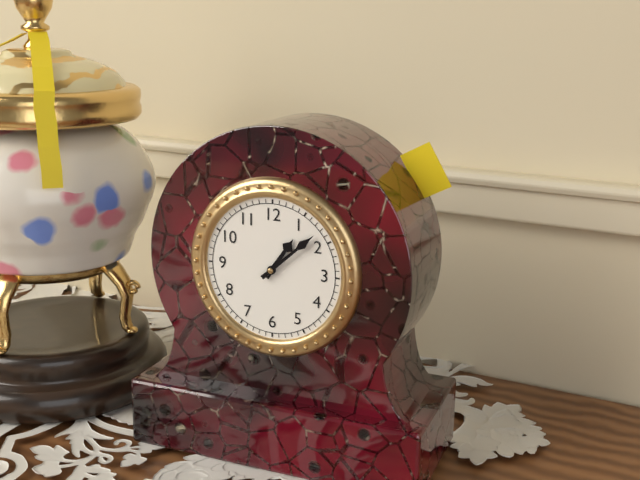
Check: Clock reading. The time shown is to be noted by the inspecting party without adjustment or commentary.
1:08
